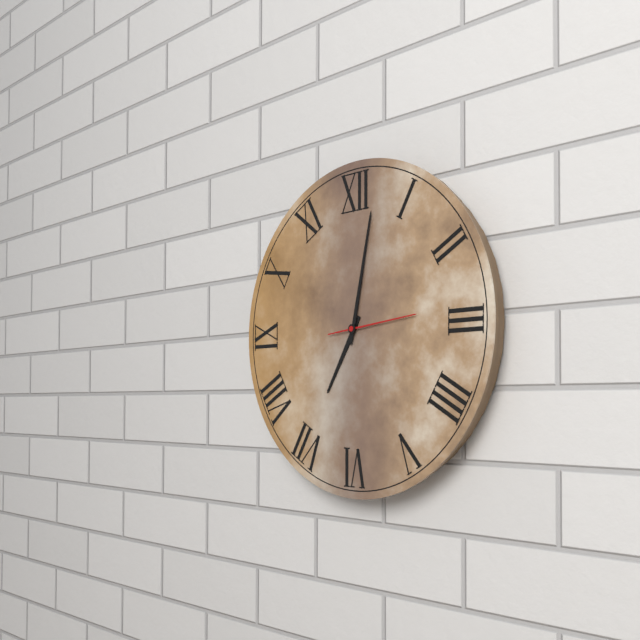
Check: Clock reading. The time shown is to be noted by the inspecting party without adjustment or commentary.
7:02:14
